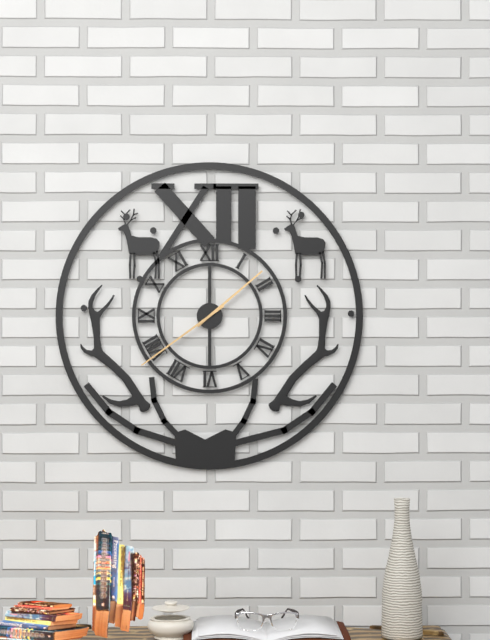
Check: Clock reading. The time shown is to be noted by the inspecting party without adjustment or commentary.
1:39
